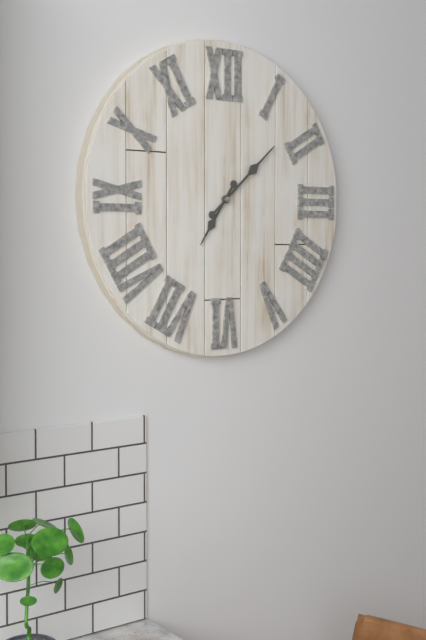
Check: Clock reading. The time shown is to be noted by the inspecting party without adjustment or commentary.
7:08
